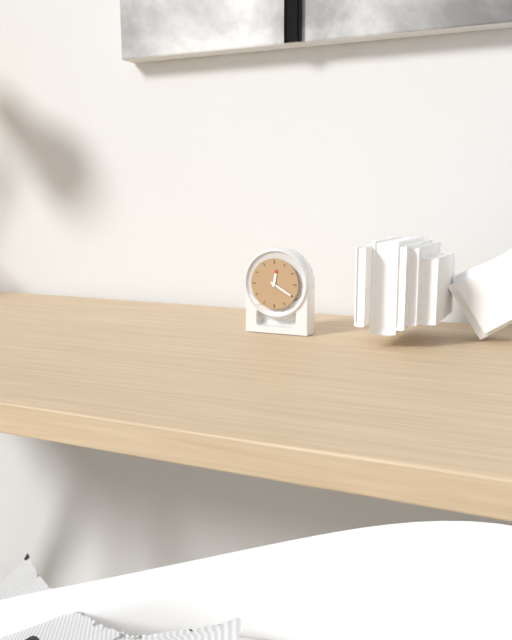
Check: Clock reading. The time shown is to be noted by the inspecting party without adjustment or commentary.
12:20
